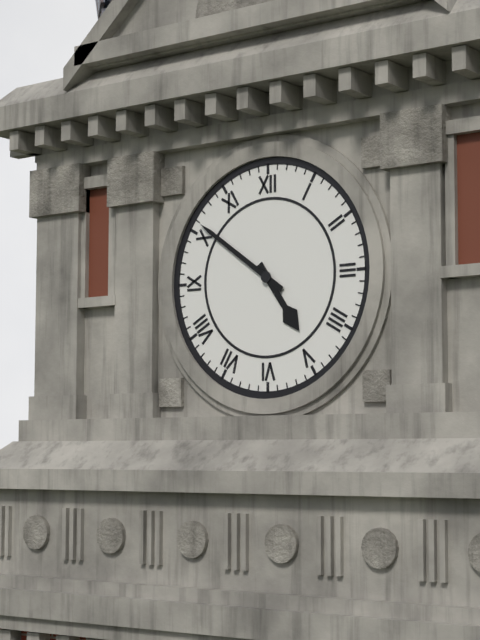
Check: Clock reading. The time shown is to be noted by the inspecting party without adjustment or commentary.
4:51
